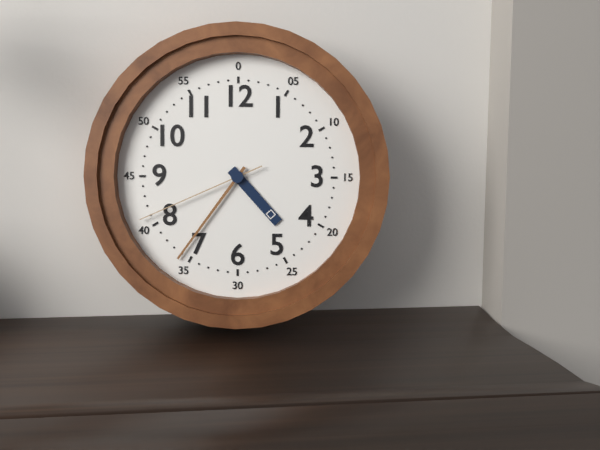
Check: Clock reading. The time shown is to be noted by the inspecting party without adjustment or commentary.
4:36:41
